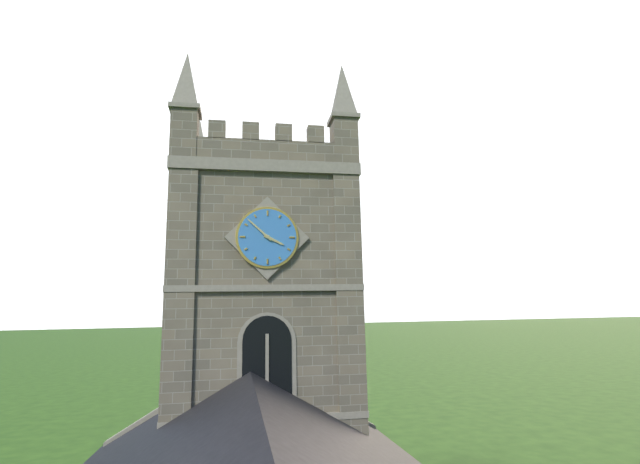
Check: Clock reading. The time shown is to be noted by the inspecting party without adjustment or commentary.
3:52
